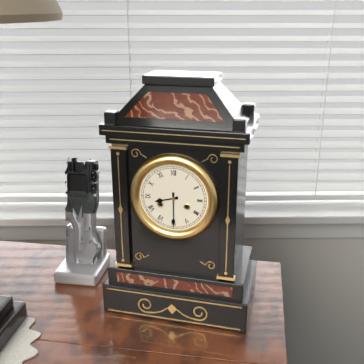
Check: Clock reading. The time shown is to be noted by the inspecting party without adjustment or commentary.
8:30
